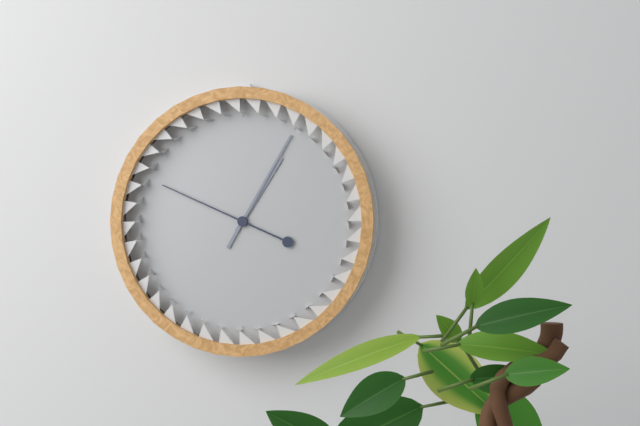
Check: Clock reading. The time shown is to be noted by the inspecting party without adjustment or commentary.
1:05:49
